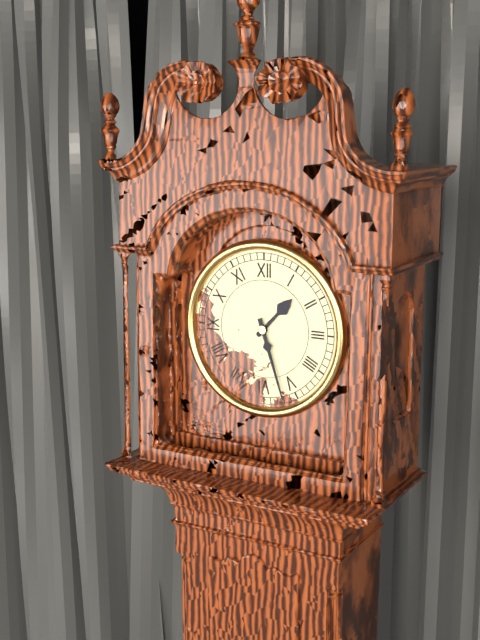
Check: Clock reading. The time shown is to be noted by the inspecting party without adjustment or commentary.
1:27
